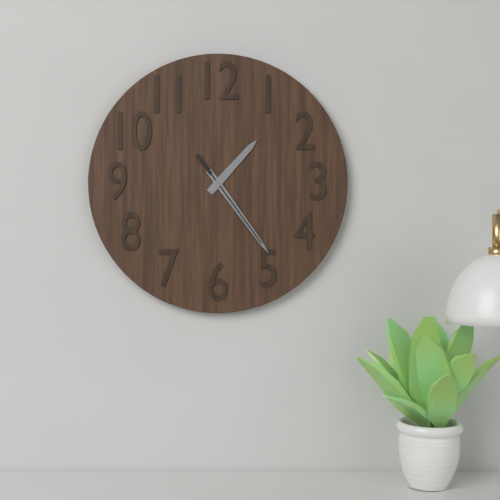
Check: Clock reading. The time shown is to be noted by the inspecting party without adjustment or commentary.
1:24:24
